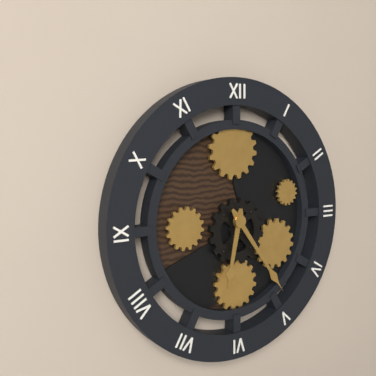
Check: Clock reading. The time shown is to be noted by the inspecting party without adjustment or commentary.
6:24
